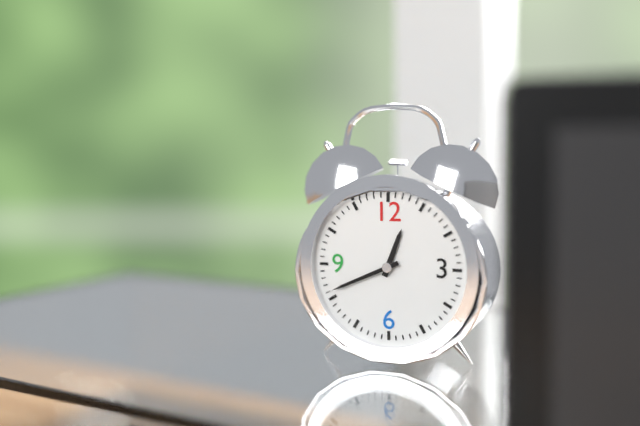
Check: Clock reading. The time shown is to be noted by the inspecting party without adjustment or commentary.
12:41
